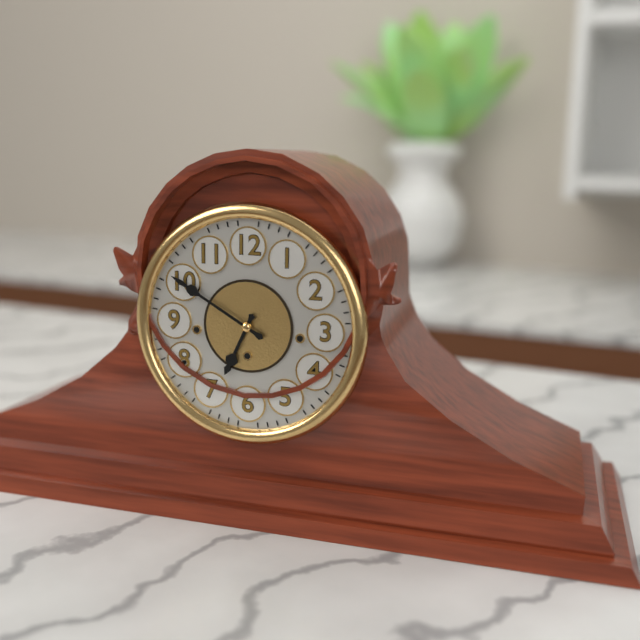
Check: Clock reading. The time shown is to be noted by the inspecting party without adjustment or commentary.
6:50
